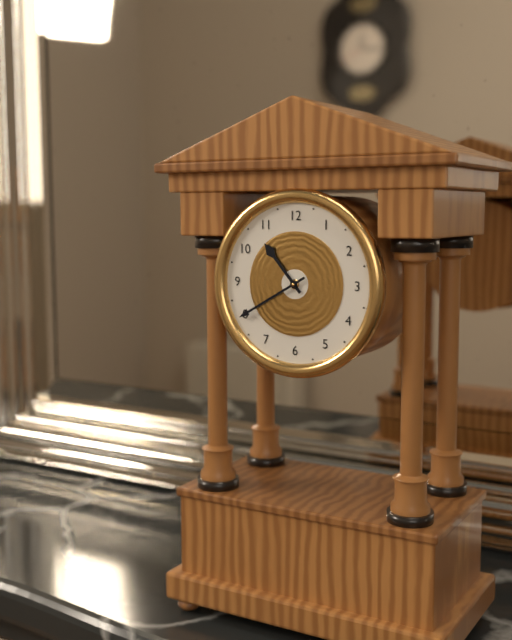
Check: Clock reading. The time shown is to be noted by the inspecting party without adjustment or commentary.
10:40
